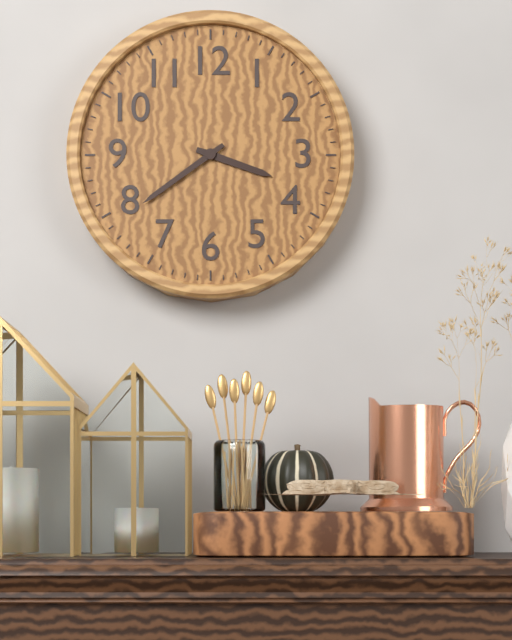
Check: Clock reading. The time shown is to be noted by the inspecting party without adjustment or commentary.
3:39
